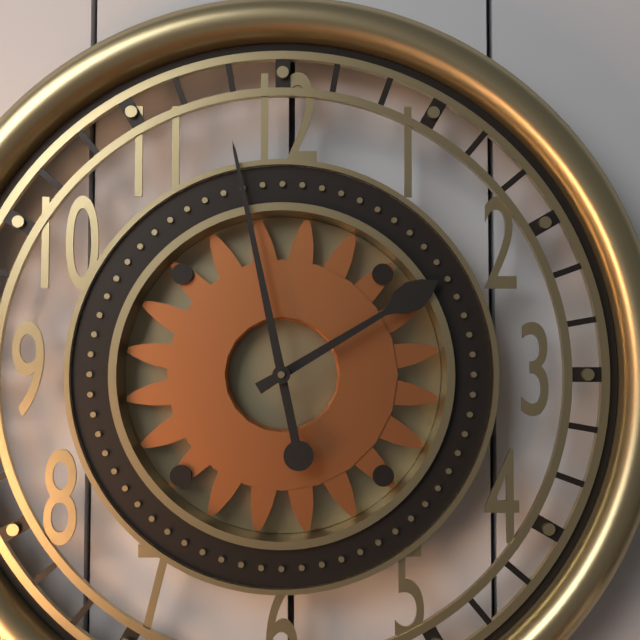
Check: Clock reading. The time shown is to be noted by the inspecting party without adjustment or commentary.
1:58
